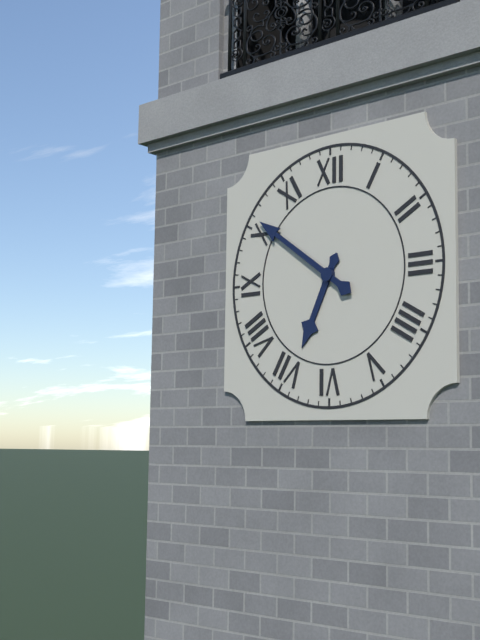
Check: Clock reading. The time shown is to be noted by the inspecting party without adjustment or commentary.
6:51
